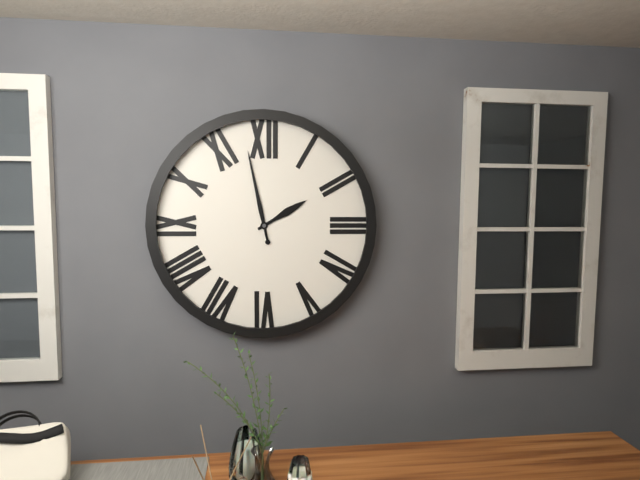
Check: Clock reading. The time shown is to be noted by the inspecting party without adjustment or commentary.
1:58
